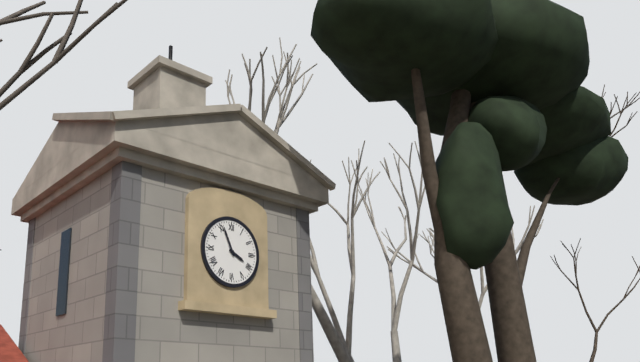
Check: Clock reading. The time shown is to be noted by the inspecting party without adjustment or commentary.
3:56
